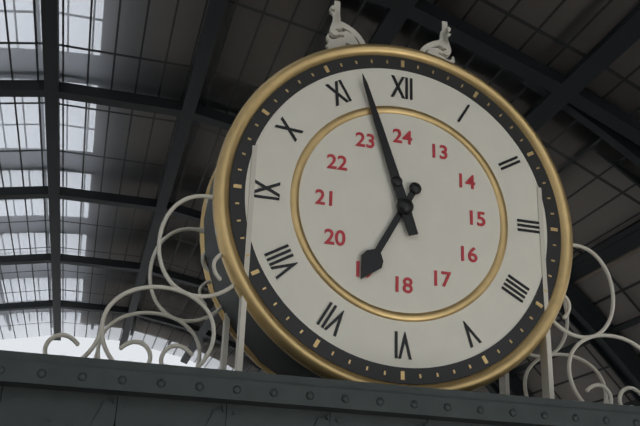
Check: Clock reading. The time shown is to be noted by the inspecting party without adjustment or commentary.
6:57
